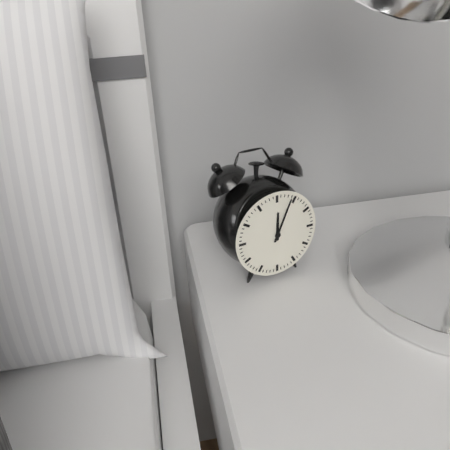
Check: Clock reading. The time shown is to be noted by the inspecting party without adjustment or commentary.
12:04
